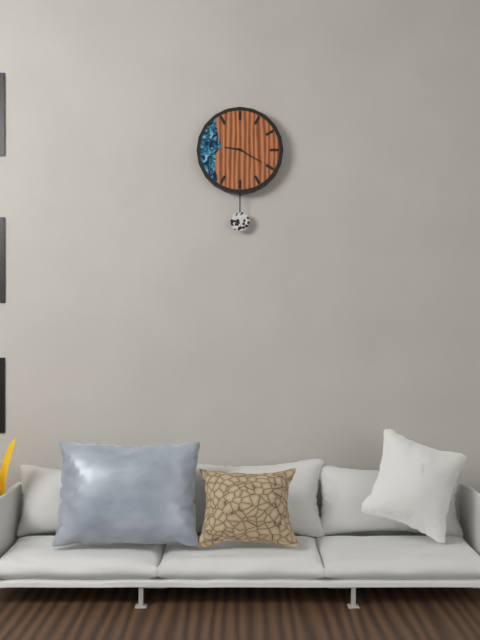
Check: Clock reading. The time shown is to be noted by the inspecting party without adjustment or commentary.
9:20
